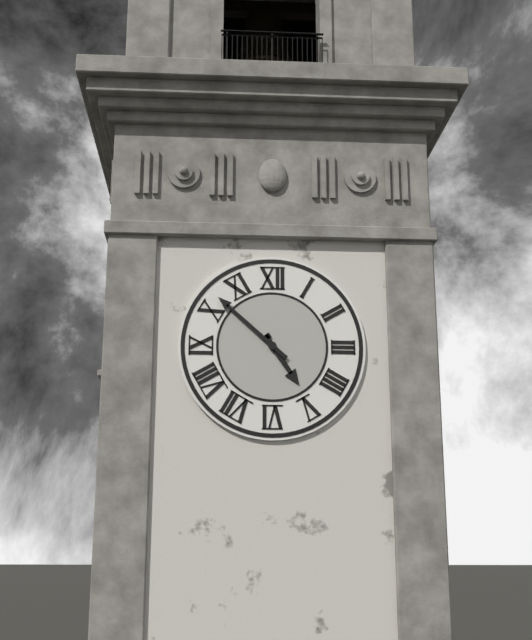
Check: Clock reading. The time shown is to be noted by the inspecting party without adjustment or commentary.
4:52
